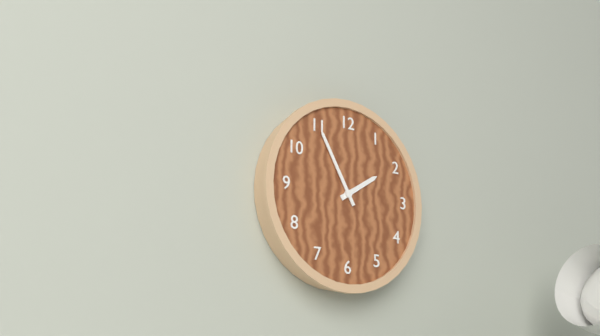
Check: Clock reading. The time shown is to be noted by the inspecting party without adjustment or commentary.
1:55
